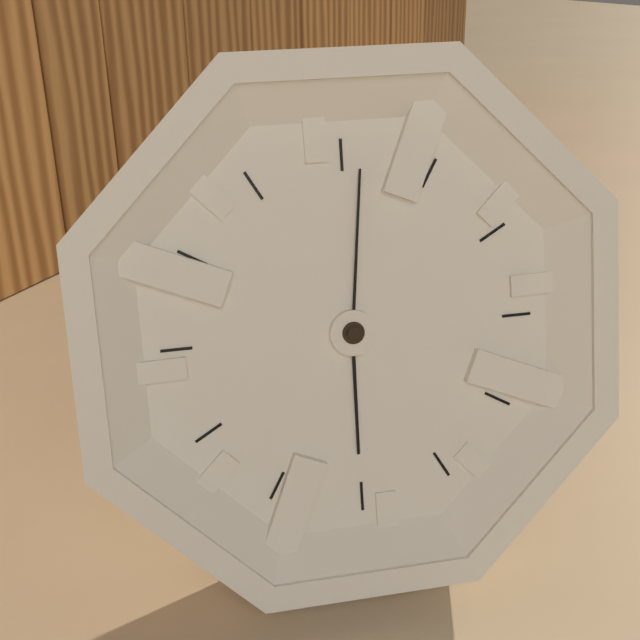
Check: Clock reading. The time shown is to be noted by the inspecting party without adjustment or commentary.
6:01
